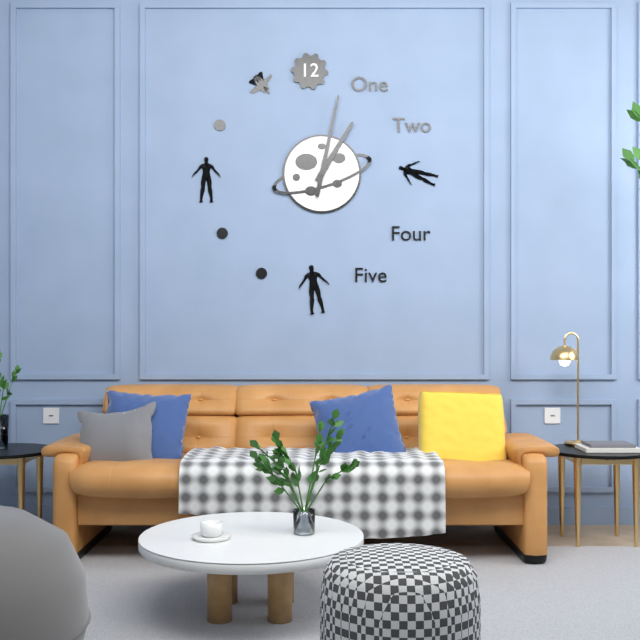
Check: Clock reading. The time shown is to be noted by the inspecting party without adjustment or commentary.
1:02
